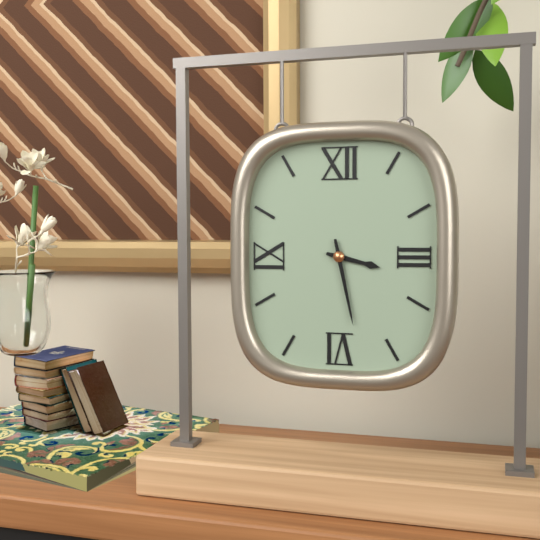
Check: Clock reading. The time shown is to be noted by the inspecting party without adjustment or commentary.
3:28
